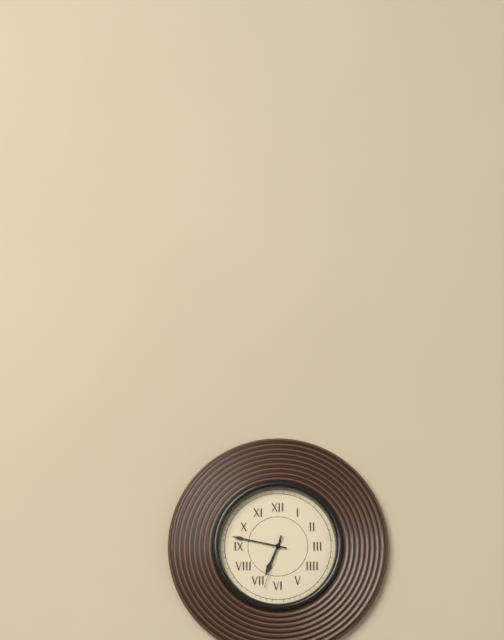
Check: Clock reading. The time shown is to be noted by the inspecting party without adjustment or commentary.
6:47:33
